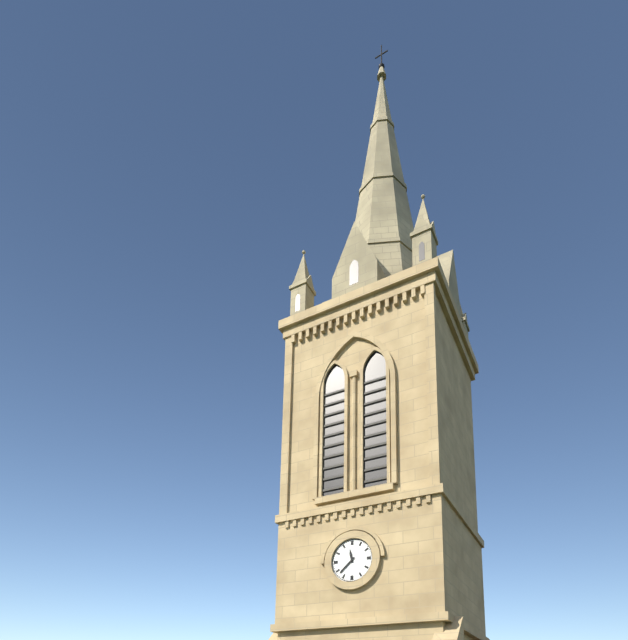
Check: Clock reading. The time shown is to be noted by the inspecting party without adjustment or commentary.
11:38
